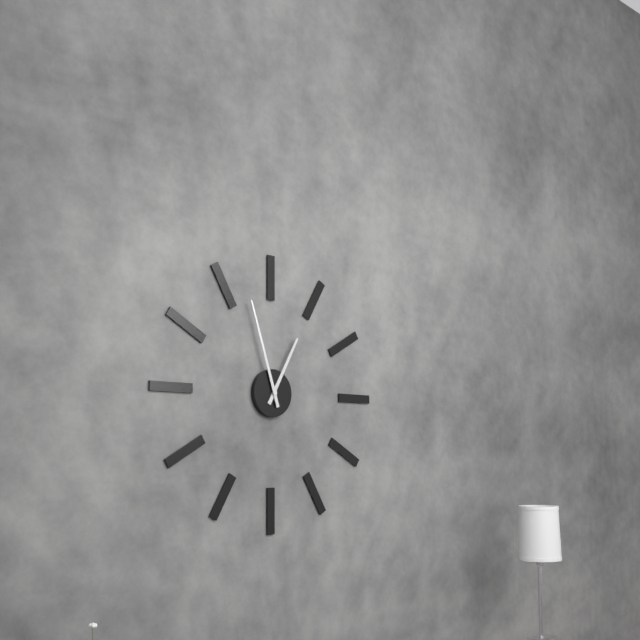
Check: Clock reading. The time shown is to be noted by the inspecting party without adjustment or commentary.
12:57
